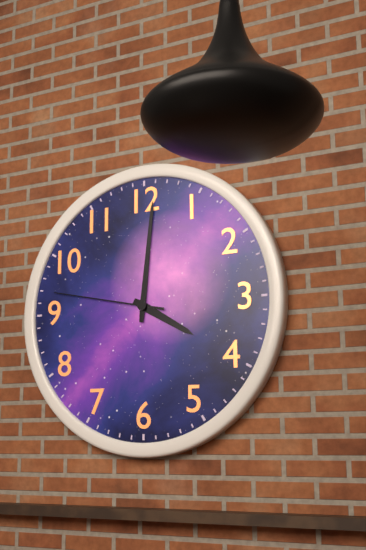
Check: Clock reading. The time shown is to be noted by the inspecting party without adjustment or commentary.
4:01:47
